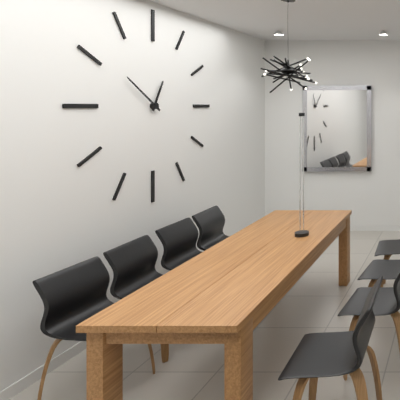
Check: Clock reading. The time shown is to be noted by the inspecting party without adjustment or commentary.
12:51
